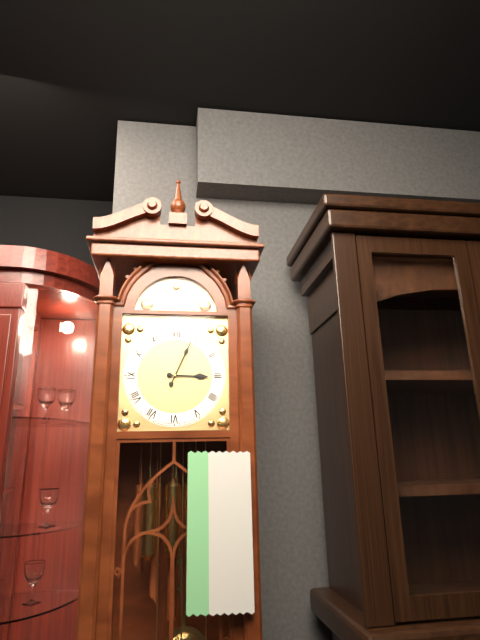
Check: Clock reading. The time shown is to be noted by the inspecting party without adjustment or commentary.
3:04
